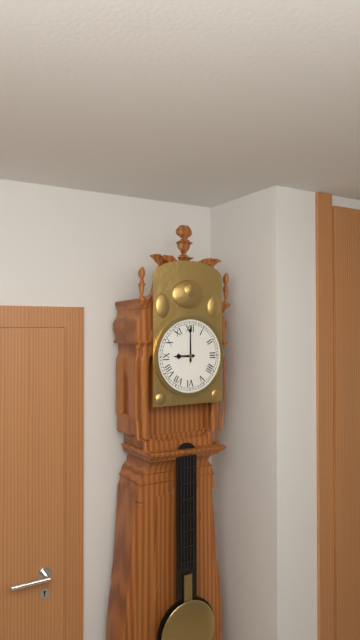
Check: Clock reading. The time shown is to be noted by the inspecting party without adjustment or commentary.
9:00
